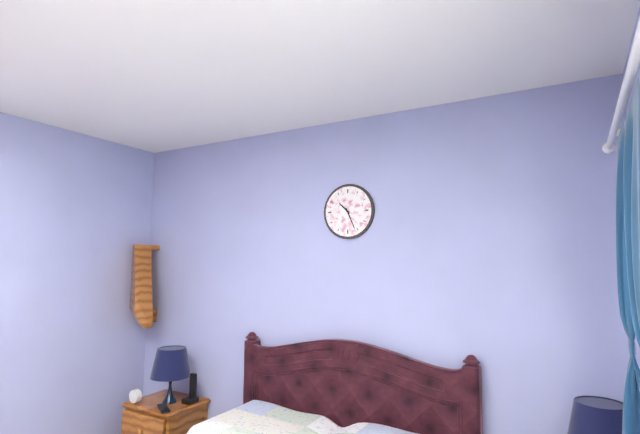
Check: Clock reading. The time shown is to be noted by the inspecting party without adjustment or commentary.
10:26
